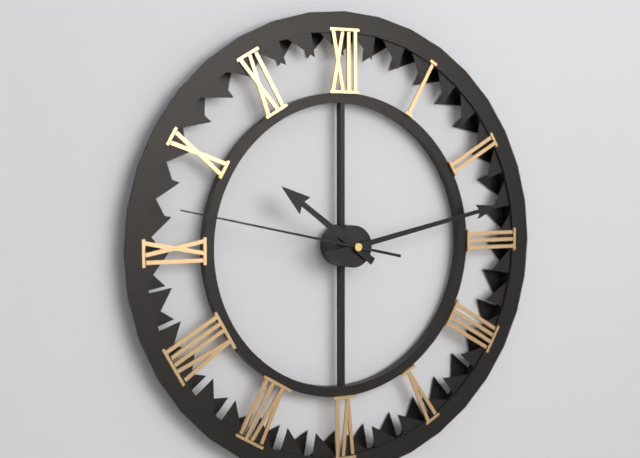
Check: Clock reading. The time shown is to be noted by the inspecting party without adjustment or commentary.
10:13:47
